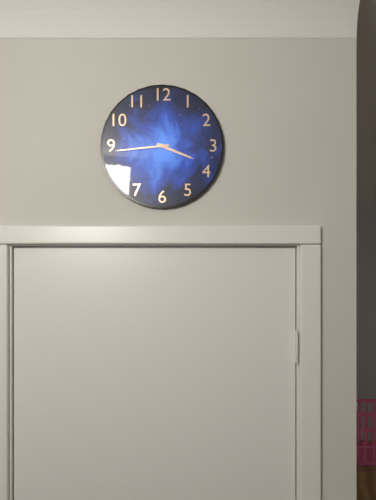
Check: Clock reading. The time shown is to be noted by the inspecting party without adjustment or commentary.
3:44
